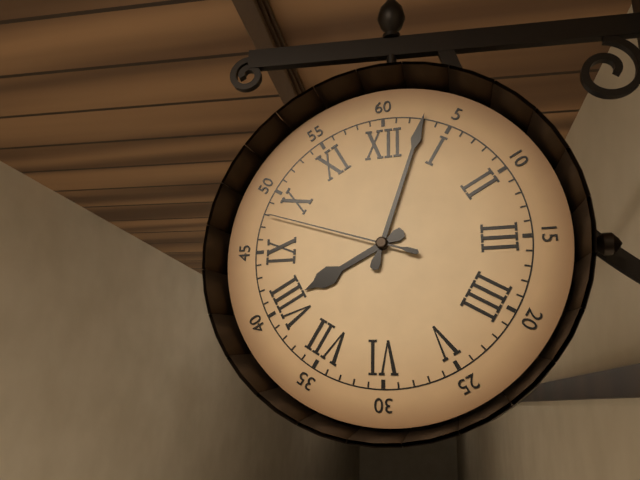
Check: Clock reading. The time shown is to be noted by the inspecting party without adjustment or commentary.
8:03:48
